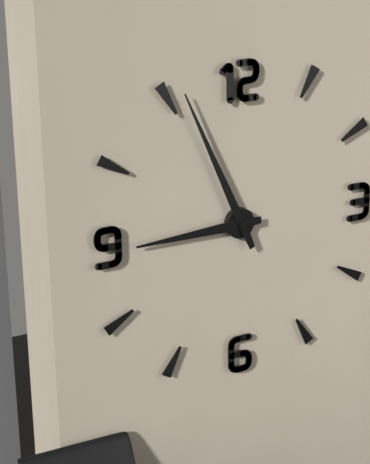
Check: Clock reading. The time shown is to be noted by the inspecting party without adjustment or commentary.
8:56
